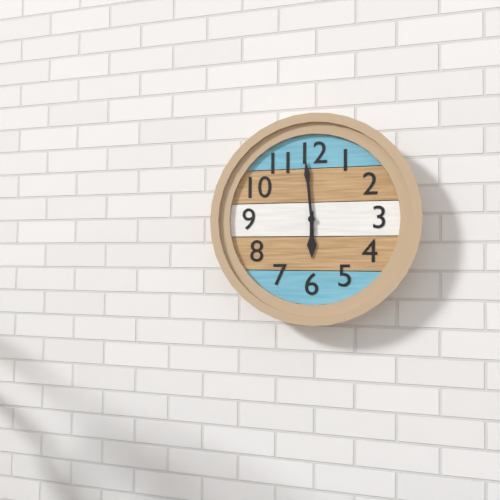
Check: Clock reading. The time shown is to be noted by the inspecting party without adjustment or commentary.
5:59
